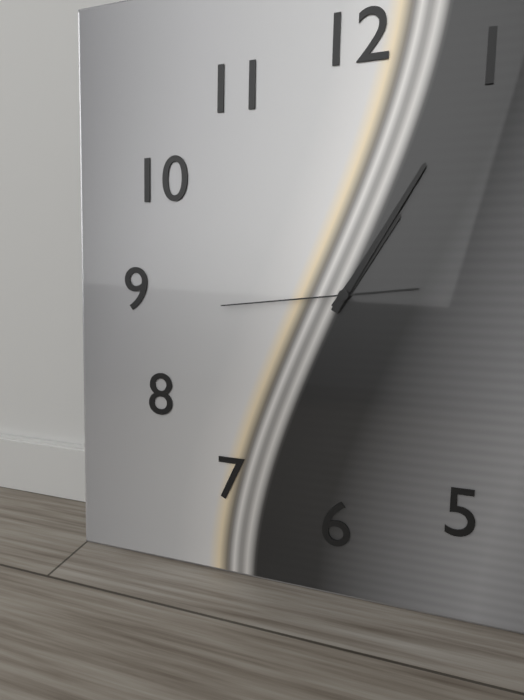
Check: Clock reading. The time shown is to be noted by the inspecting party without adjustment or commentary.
1:05:44
